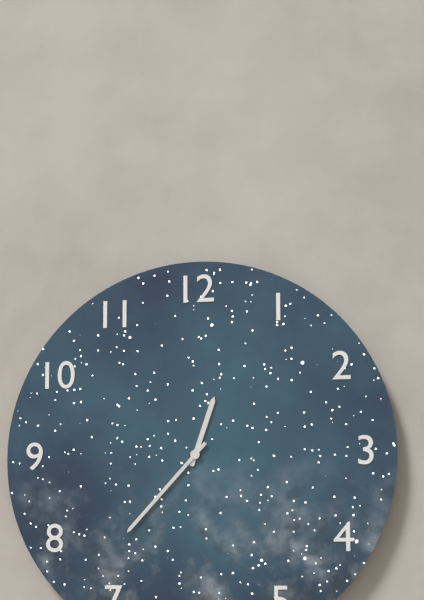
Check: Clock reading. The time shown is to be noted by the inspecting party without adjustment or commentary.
12:37
